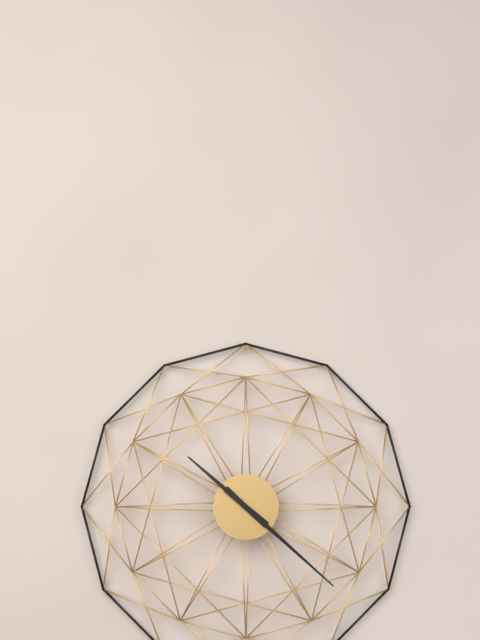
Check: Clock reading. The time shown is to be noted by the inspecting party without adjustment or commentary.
10:22
